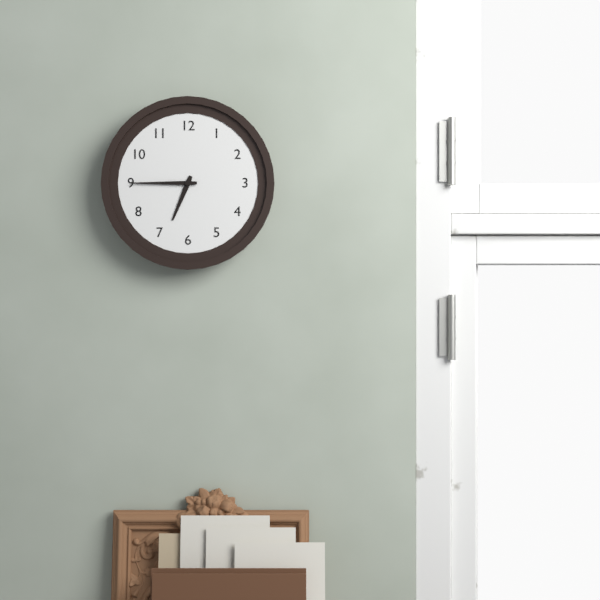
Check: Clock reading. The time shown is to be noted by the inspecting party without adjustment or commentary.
6:45
